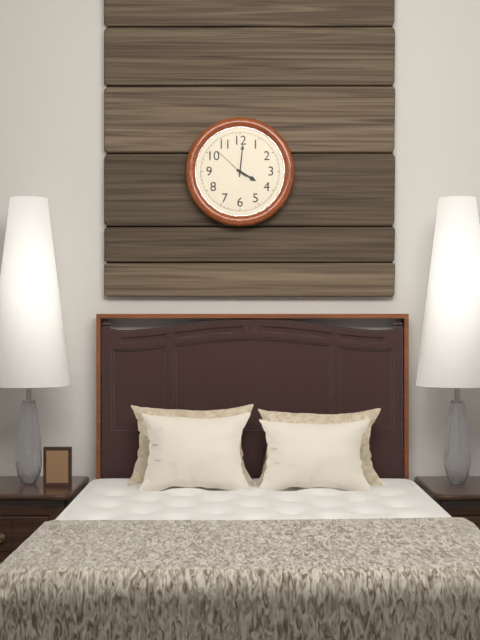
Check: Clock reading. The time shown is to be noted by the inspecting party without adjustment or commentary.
4:01
